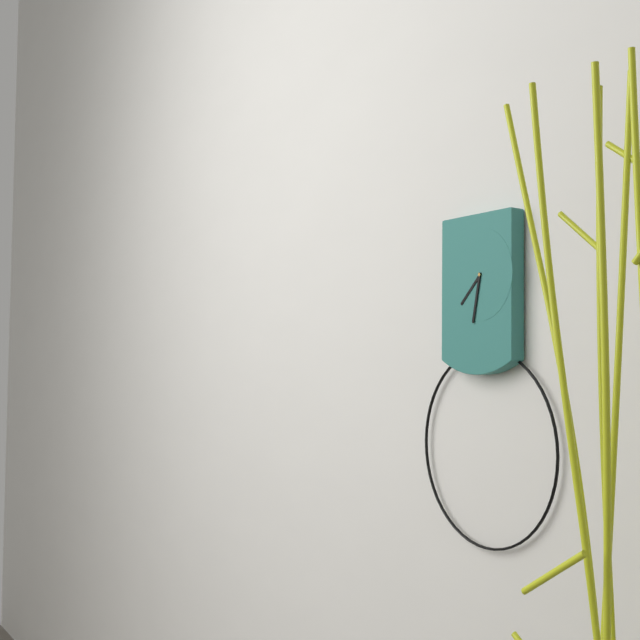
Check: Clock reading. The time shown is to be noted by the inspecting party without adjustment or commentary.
7:32
